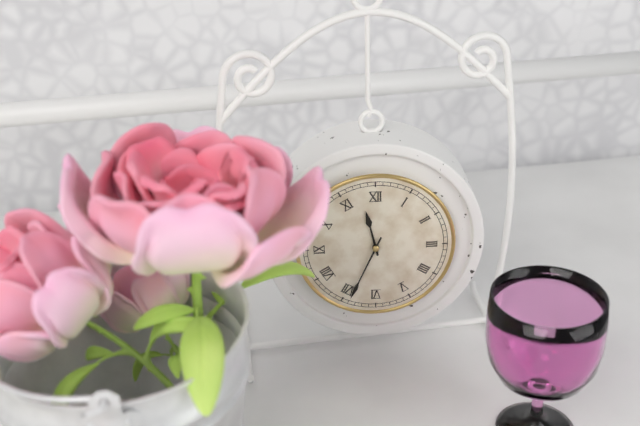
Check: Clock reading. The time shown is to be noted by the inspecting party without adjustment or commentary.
11:34
